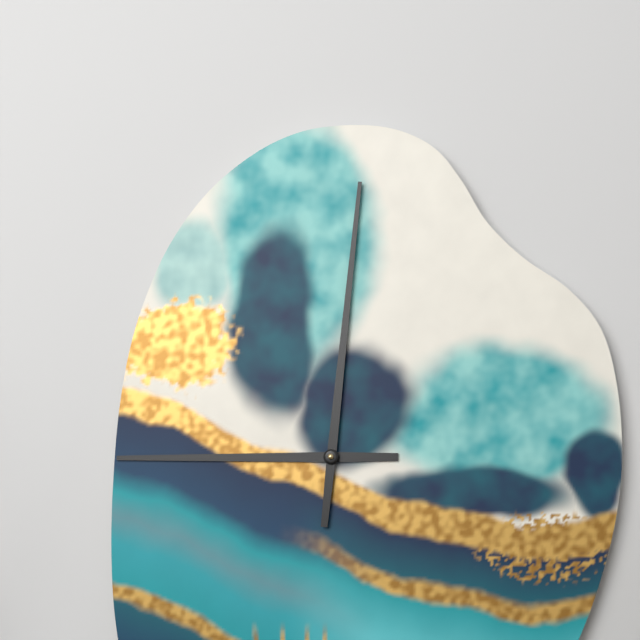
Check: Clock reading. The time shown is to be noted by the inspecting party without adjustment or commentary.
9:01
